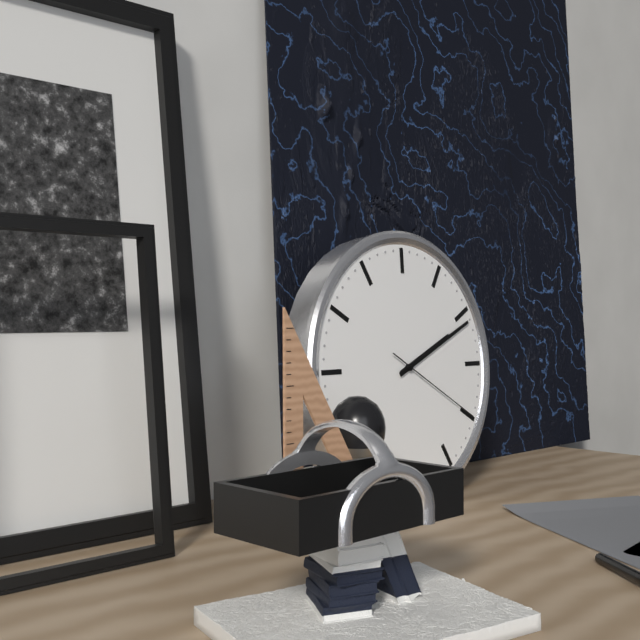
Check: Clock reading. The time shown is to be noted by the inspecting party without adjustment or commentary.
2:11:20
